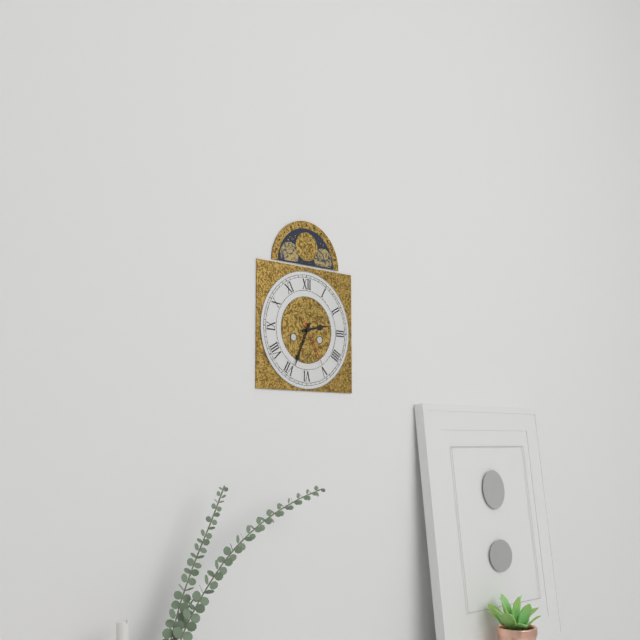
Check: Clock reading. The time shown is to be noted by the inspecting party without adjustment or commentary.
2:34
